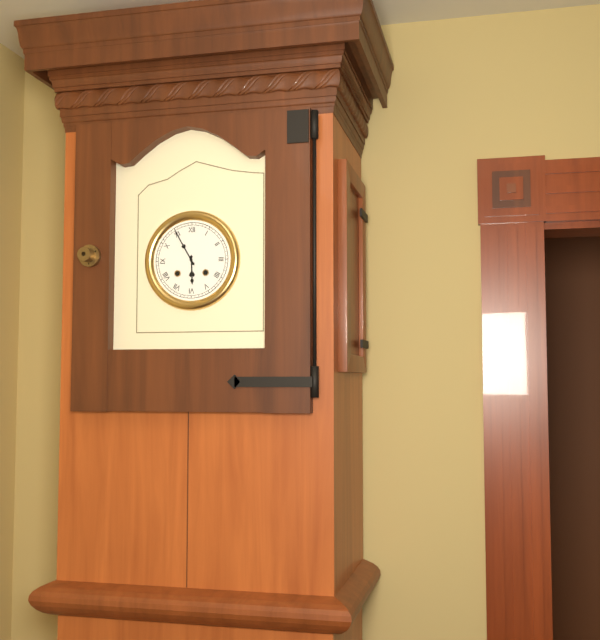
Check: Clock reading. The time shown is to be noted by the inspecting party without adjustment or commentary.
5:55
